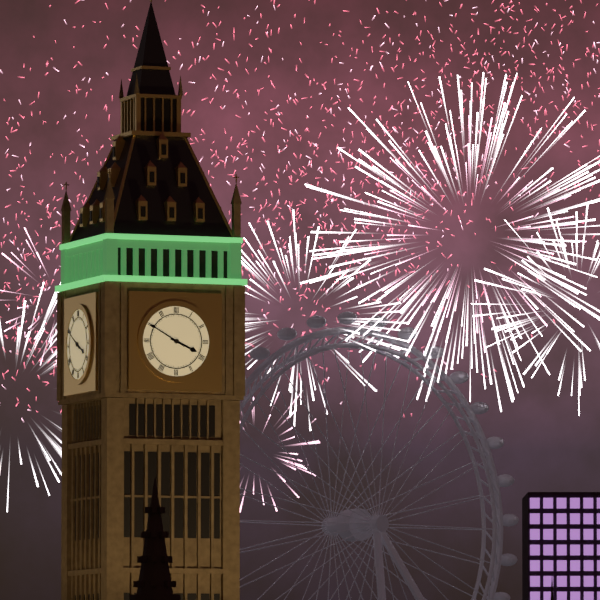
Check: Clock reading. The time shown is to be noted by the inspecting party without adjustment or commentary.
3:50
